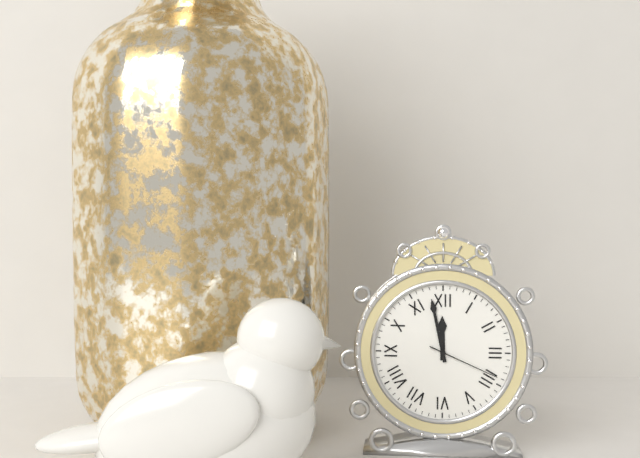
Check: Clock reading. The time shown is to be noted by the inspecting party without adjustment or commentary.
11:58:19
